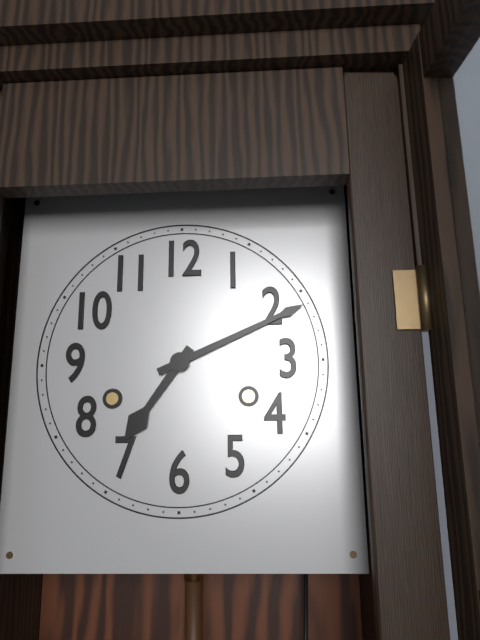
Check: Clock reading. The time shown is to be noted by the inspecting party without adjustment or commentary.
7:11
